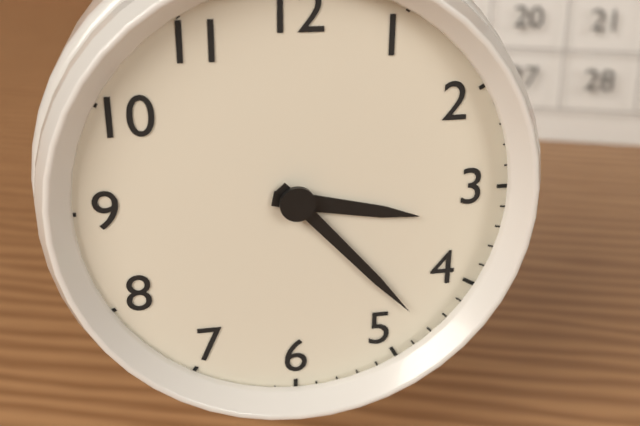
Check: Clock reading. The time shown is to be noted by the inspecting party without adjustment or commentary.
3:23
